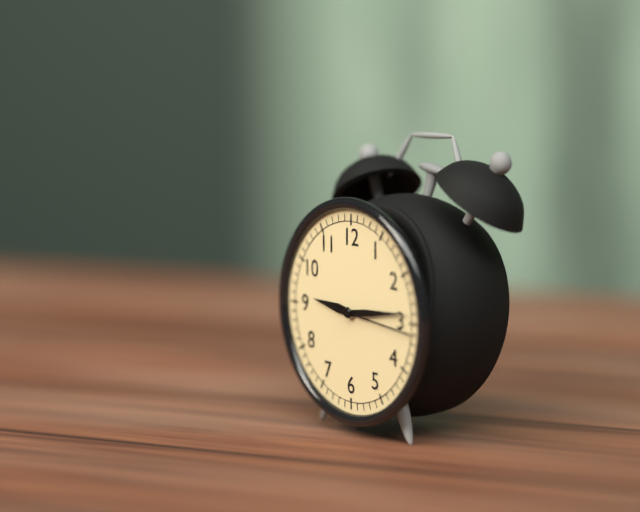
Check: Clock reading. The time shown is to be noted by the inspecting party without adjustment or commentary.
9:14:16
